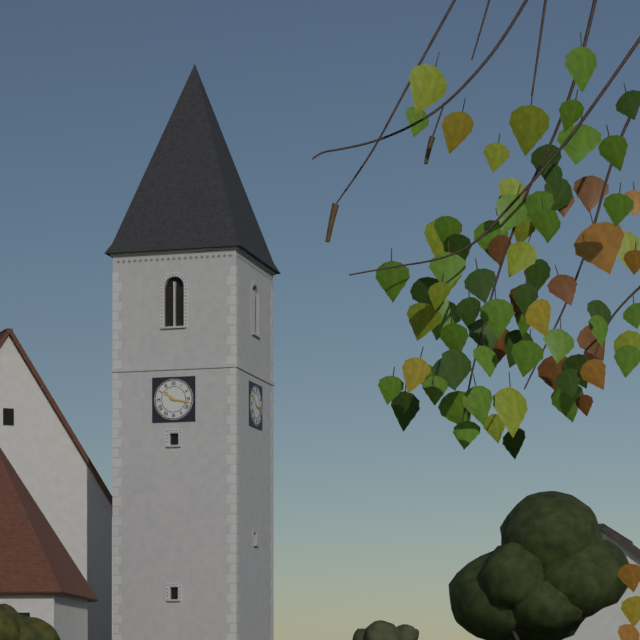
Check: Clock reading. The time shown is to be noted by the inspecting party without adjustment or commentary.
10:17
